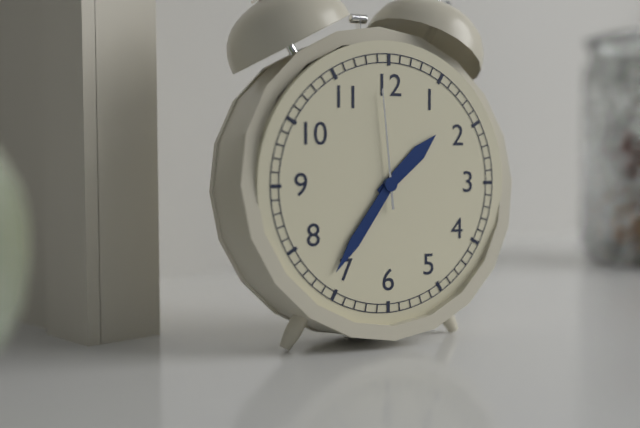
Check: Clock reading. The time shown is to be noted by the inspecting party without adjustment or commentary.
1:36:59
